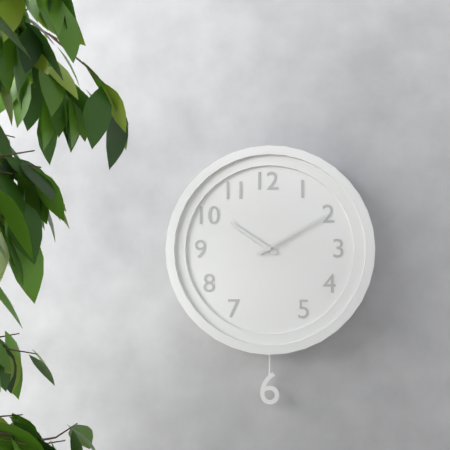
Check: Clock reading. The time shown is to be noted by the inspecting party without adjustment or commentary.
10:10
